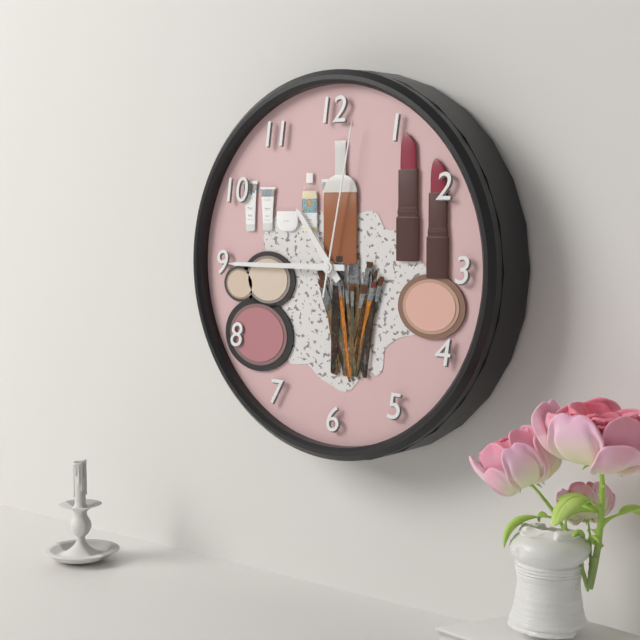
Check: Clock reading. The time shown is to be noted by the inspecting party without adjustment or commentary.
10:45:02
